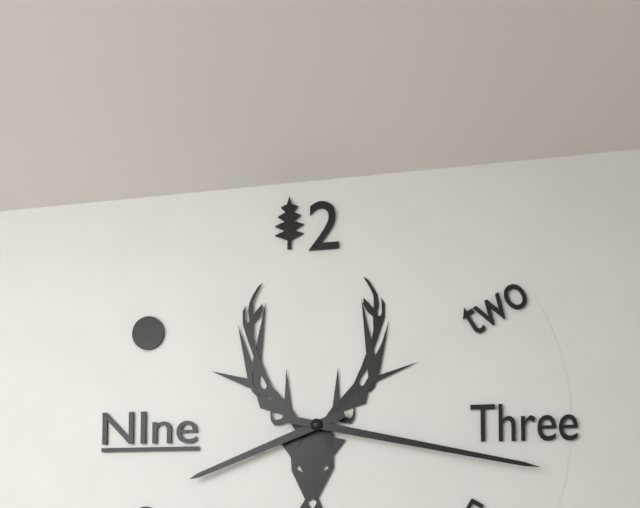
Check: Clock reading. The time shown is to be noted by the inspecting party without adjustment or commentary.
8:17
